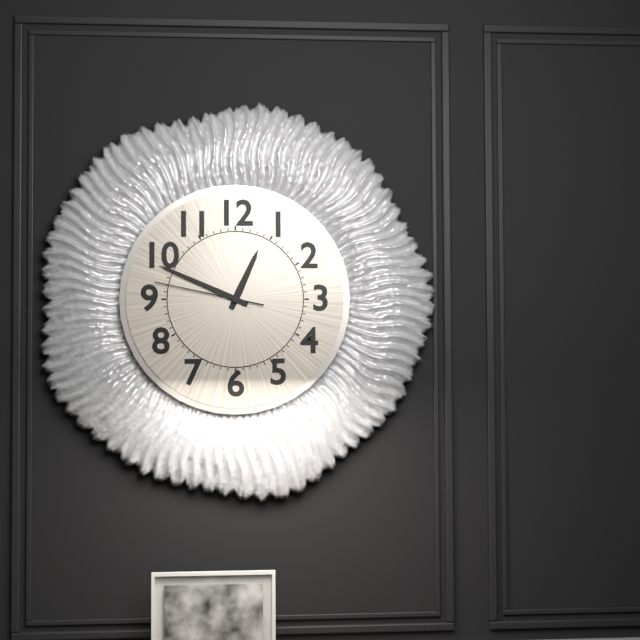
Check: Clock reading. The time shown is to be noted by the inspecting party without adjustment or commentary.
12:49:47
